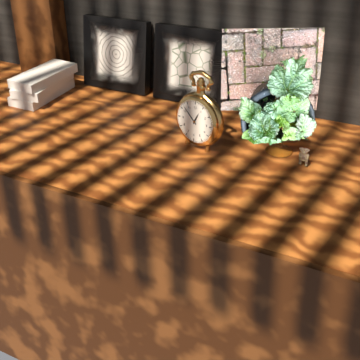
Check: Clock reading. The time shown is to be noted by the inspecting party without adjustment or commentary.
12:52
